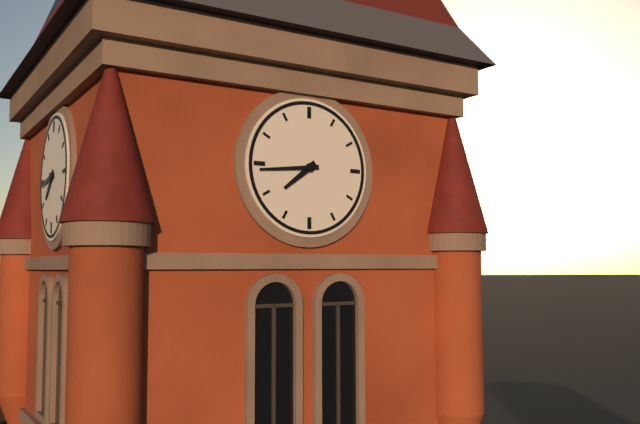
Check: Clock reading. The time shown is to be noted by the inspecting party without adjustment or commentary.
7:44
